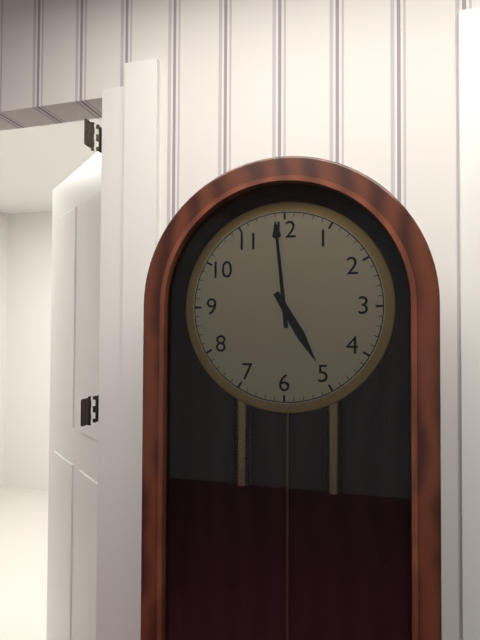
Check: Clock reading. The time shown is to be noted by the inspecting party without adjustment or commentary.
4:59
